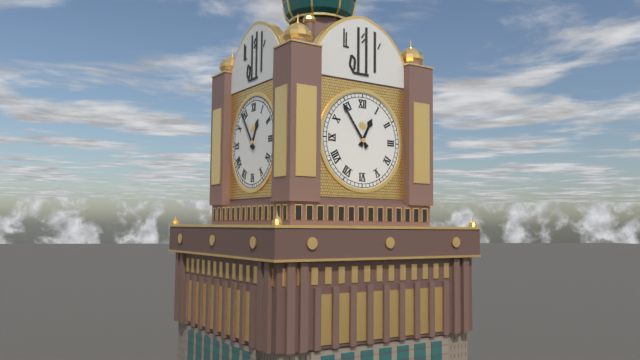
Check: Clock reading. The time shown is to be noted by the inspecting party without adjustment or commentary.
12:54
